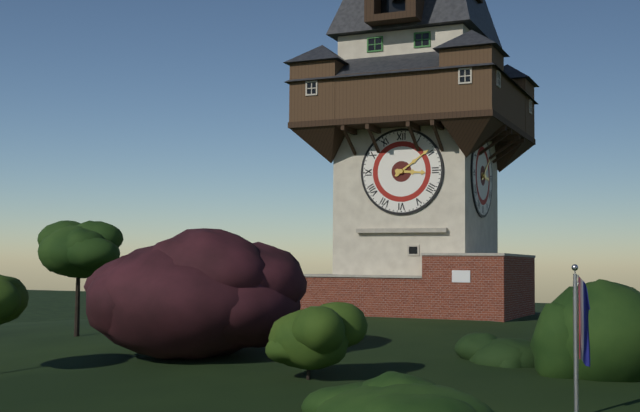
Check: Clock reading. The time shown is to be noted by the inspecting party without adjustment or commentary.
3:09
